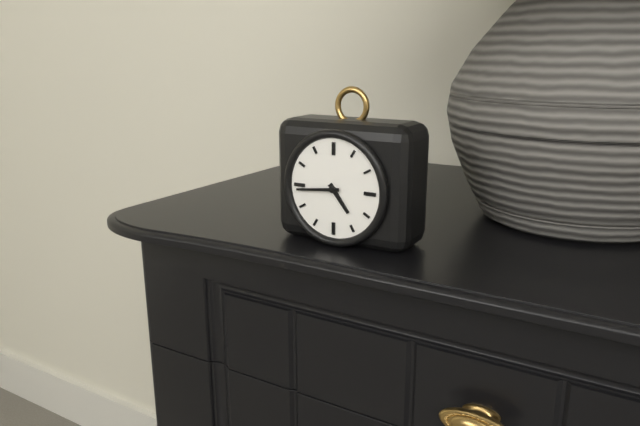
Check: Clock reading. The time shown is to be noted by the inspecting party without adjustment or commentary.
4:44
